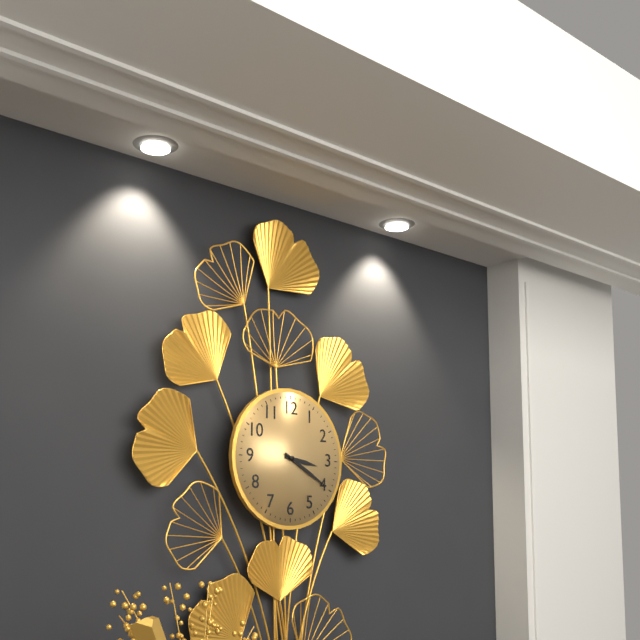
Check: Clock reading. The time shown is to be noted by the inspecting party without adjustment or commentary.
3:20
